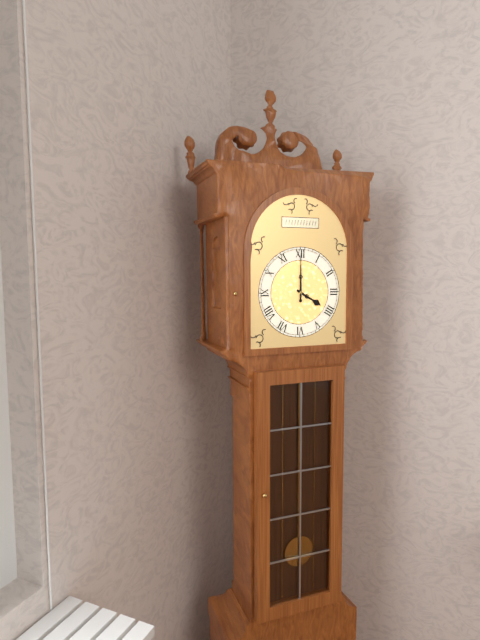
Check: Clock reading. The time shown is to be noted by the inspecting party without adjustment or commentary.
4:00
